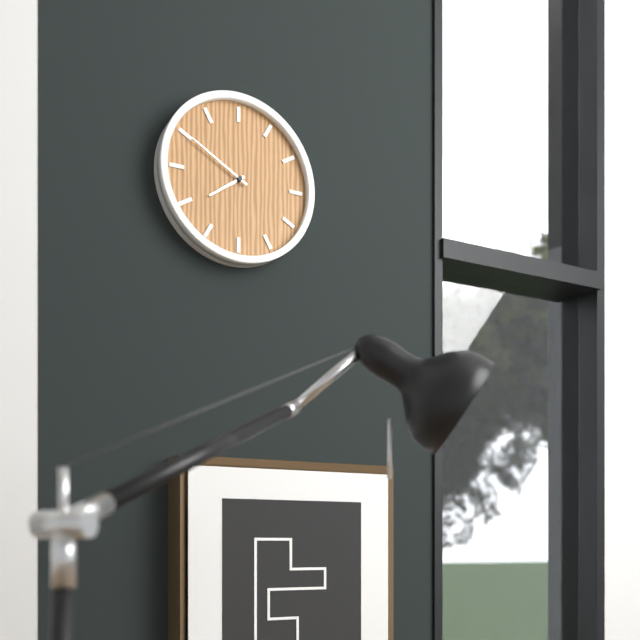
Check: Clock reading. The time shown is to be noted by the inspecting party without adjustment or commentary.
7:50
